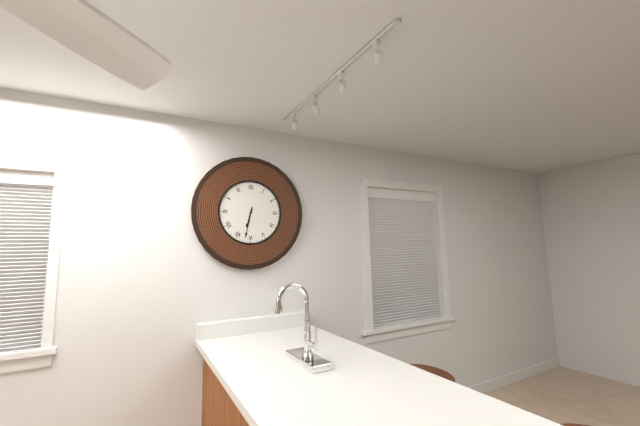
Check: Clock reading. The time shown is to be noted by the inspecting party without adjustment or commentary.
6:32
